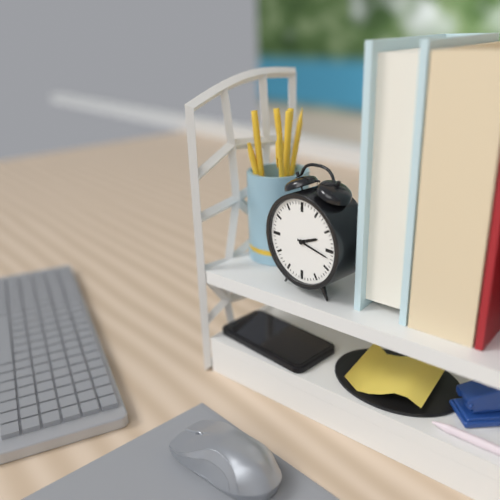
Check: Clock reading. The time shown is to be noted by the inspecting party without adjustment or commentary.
2:17
